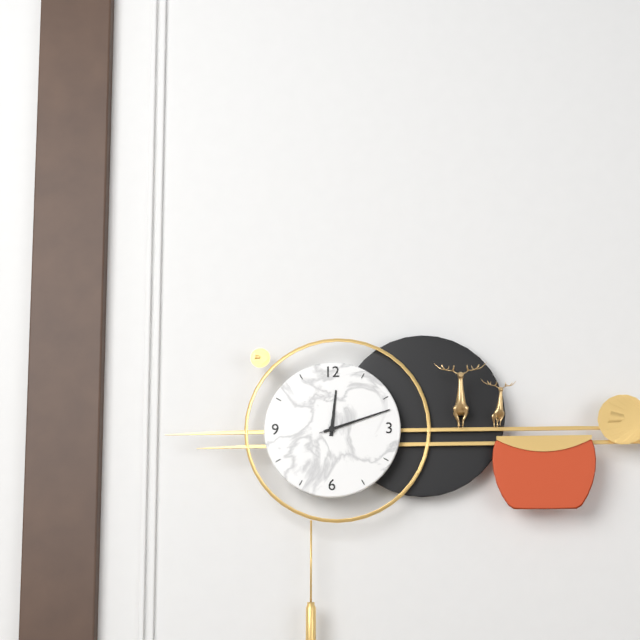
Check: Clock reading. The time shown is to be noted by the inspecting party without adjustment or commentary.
12:12:12
